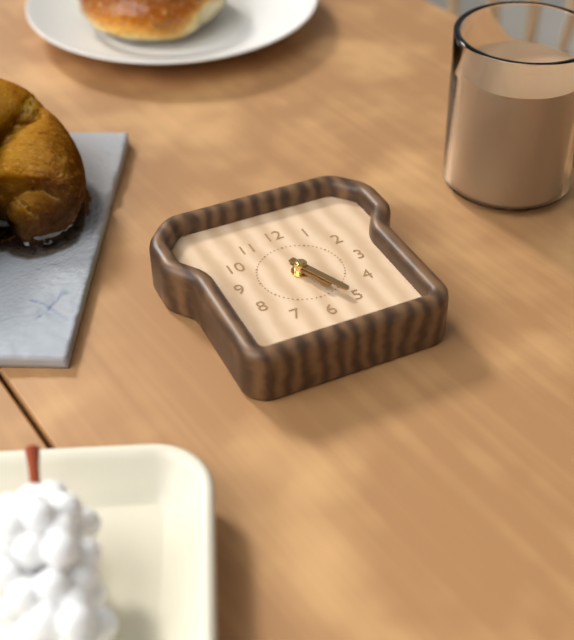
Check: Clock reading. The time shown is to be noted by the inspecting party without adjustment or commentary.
5:26
